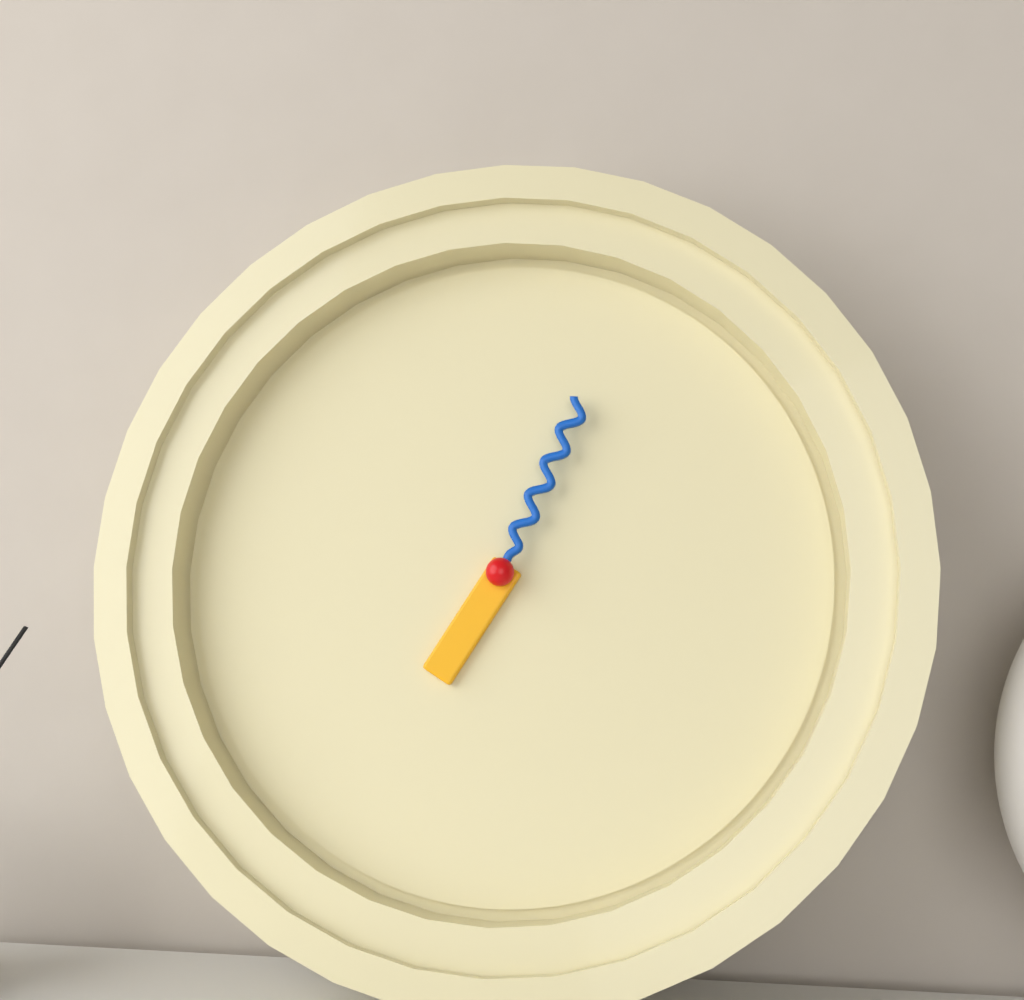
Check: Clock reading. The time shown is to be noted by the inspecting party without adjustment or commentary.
7:04
